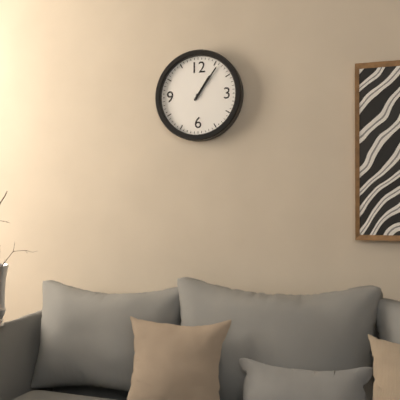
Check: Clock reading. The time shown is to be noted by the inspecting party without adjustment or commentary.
1:06
